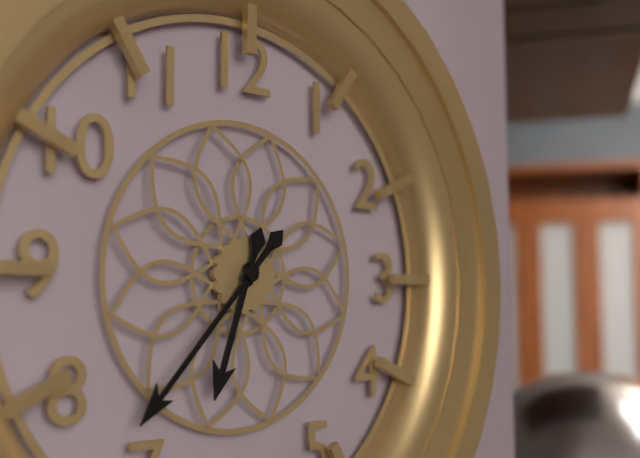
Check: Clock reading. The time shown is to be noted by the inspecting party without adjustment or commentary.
6:37
